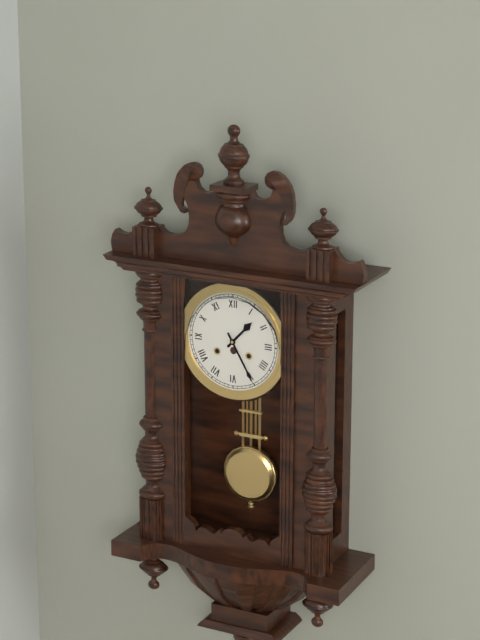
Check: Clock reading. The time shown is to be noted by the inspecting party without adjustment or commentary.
1:25
